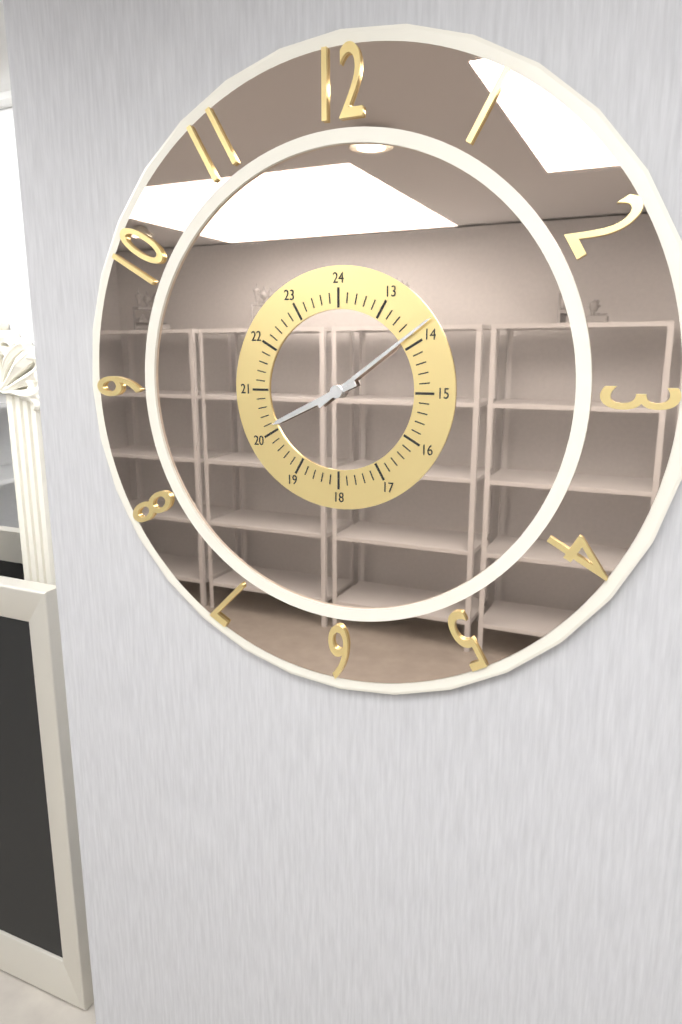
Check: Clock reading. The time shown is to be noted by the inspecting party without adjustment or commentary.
8:09
